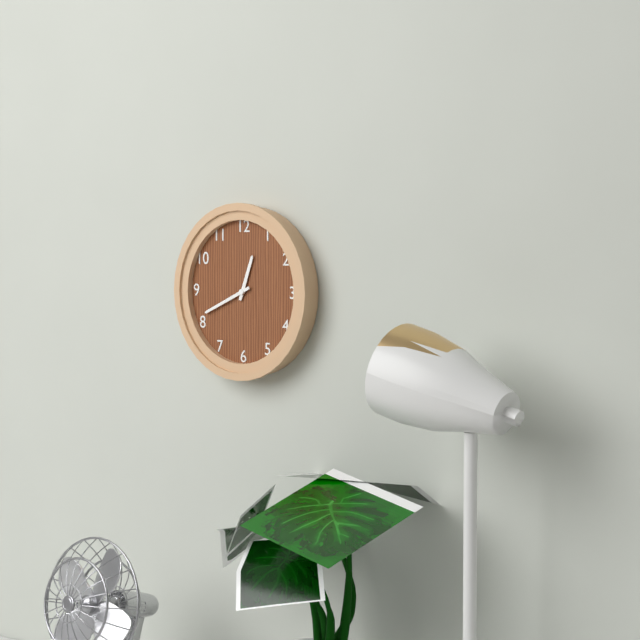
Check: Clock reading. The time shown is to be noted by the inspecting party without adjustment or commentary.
12:41
